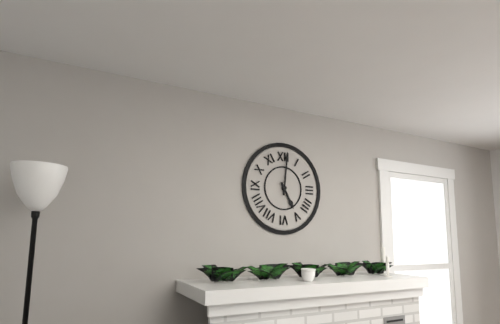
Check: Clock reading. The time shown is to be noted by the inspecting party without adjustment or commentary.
5:01
